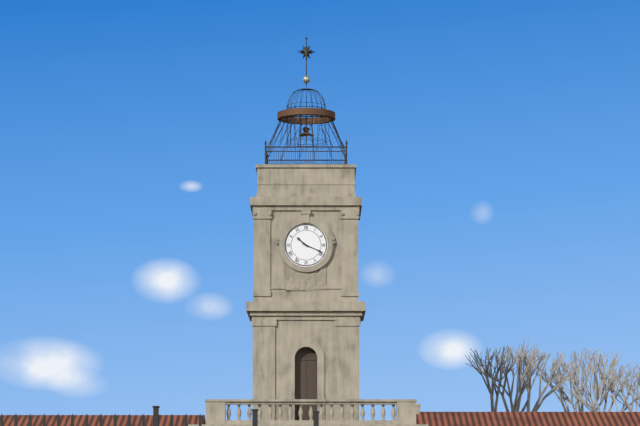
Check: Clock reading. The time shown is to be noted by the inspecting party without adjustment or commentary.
10:19
